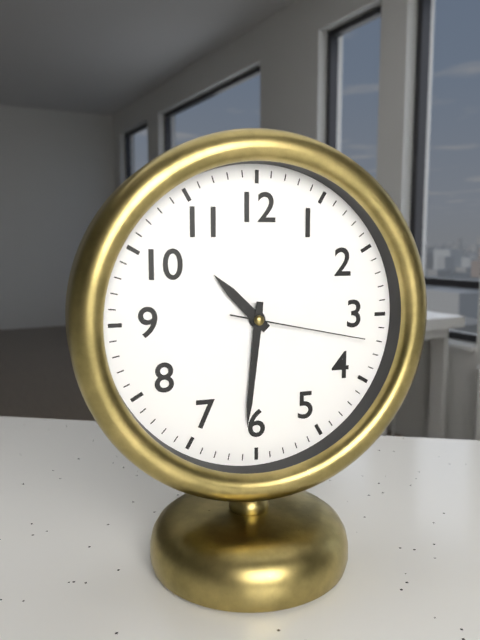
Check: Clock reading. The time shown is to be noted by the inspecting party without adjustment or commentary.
10:31:17
